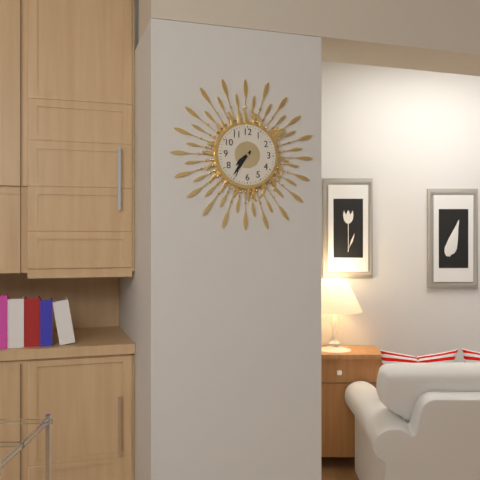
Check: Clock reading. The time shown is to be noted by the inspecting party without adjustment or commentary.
7:36
